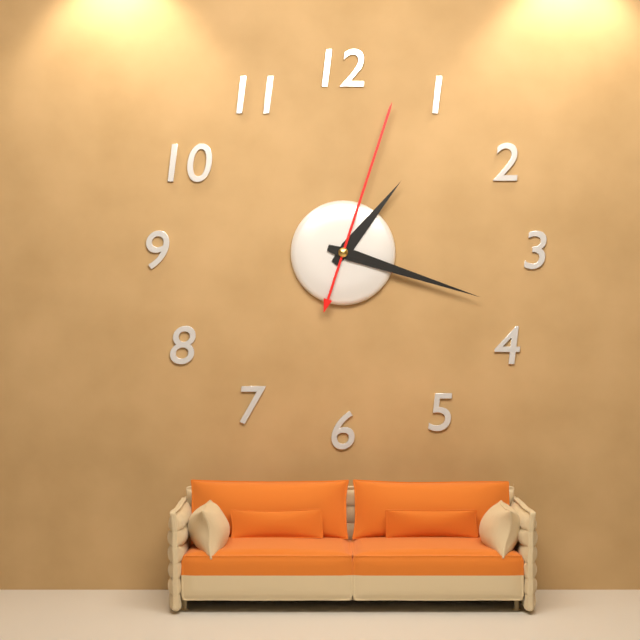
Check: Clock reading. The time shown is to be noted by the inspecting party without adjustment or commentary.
1:18:03
